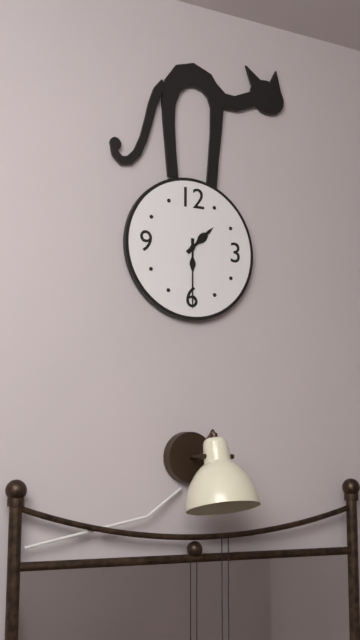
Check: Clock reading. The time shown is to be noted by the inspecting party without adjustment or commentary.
1:30
